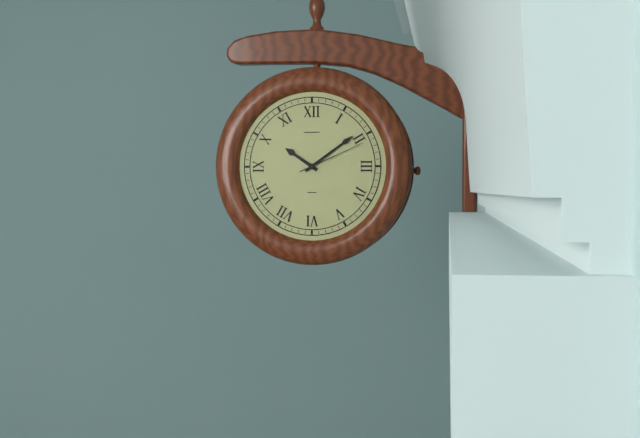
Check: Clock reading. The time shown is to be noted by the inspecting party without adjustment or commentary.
10:09:11
